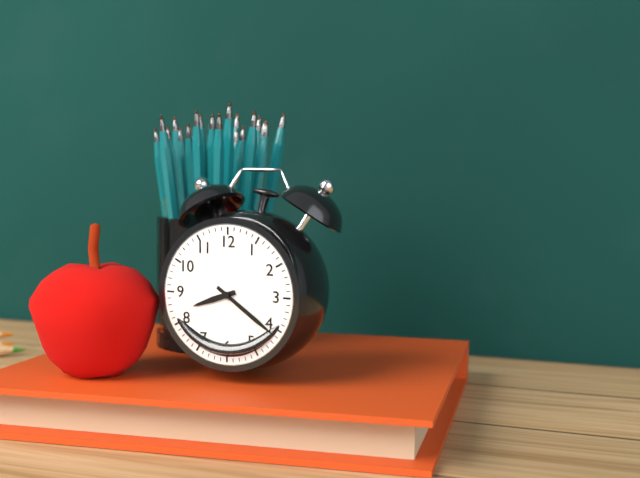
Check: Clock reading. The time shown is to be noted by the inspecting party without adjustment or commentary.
8:21
